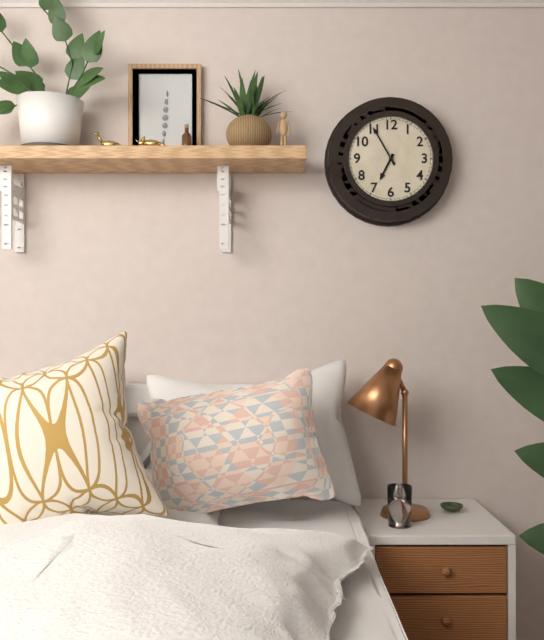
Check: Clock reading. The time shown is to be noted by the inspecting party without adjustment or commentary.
6:55
